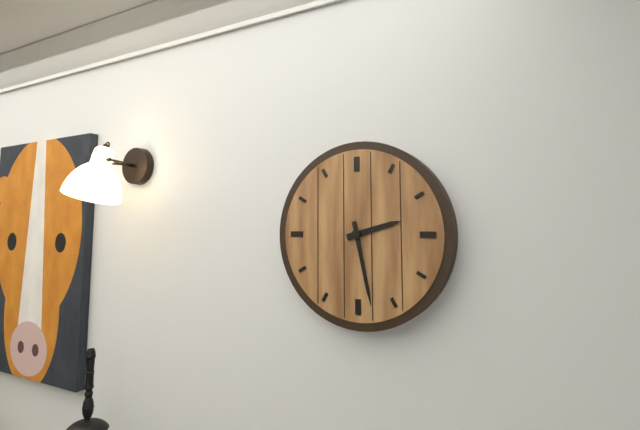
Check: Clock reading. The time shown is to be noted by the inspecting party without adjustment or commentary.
2:28
